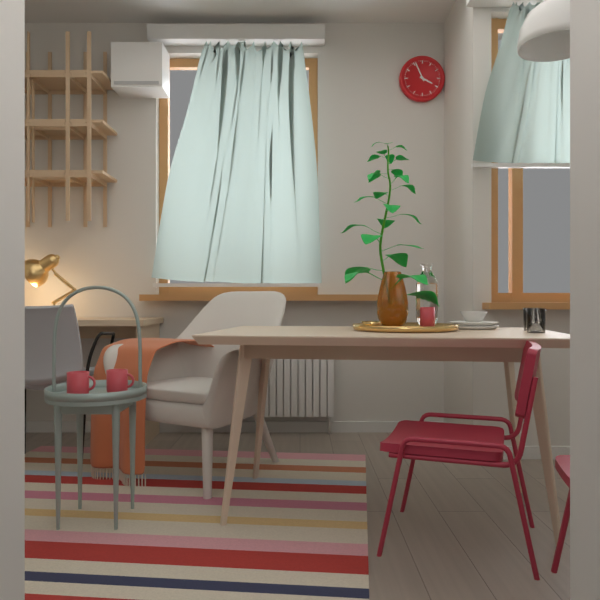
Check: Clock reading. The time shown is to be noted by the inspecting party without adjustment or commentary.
3:56
